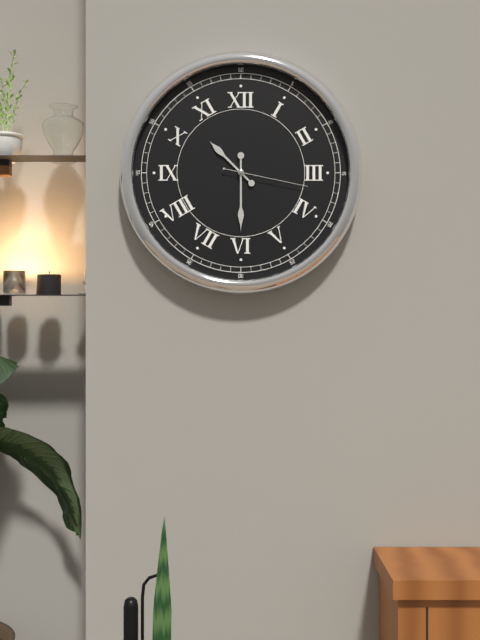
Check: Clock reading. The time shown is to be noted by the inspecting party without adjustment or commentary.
10:30:17
